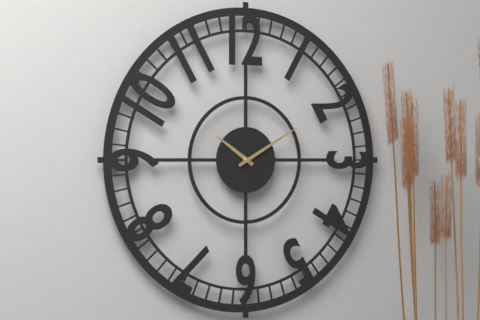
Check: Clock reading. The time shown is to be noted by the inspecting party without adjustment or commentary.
10:10
